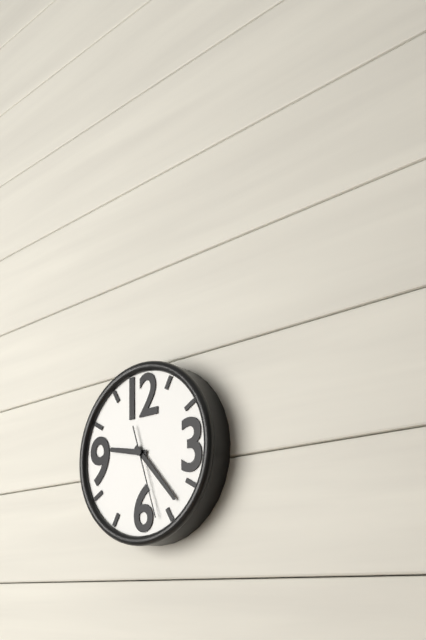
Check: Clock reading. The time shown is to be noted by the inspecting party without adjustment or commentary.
9:23:27
